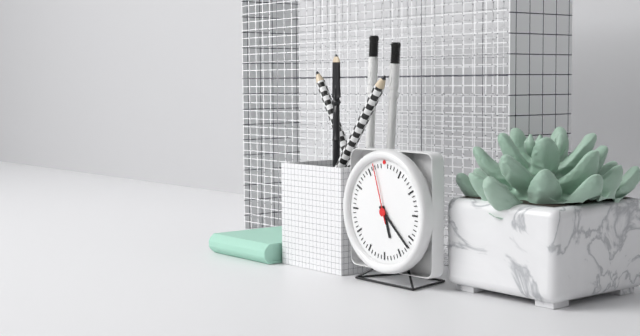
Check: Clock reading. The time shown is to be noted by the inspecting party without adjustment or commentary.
5:22:57
